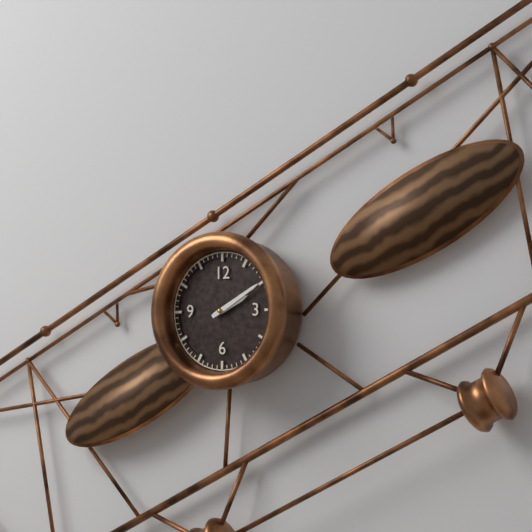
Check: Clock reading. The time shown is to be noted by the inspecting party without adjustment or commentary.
2:10
